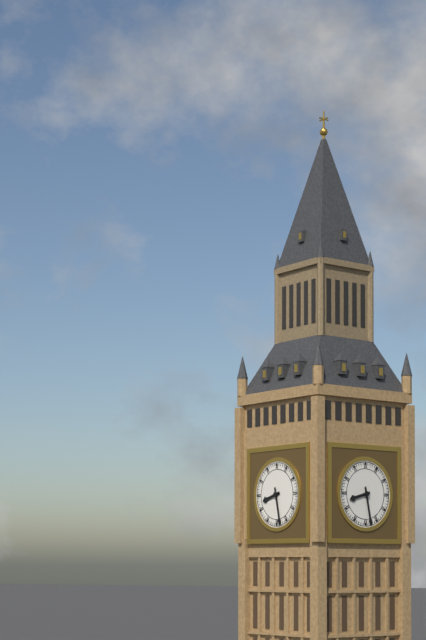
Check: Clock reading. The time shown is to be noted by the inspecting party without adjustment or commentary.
8:28
